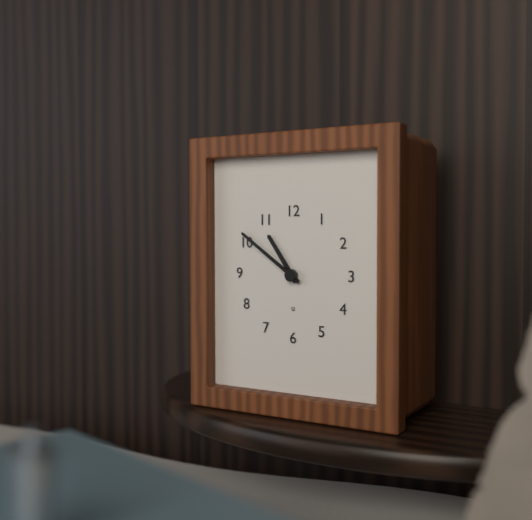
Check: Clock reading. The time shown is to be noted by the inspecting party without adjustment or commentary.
10:51
